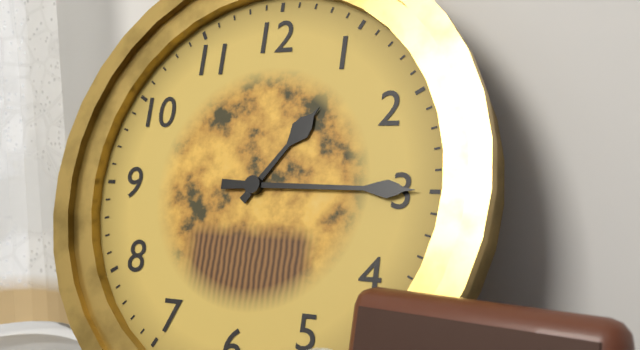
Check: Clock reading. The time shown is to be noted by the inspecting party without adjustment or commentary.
1:15
